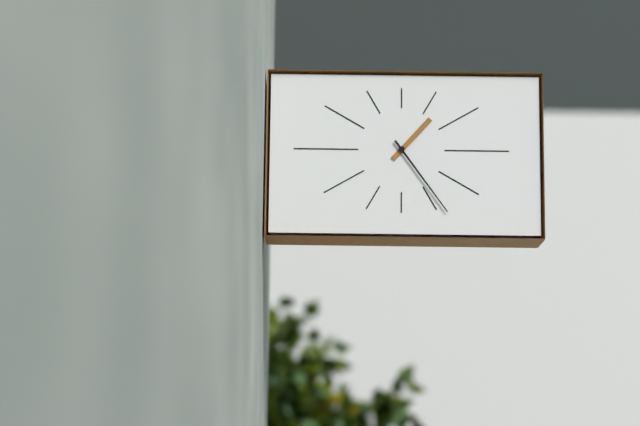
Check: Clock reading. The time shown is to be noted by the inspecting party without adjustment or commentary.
1:24
